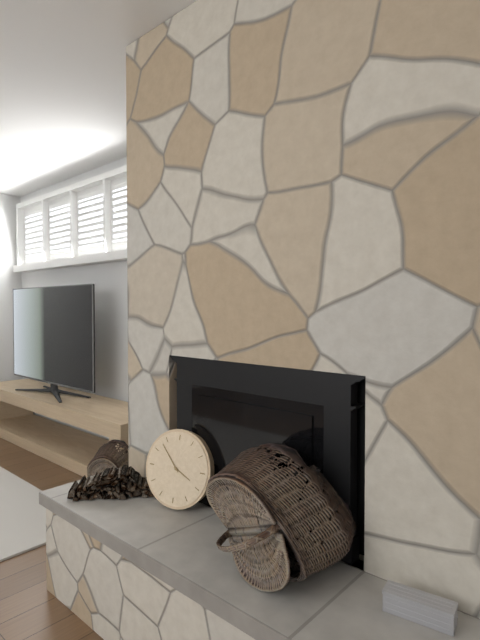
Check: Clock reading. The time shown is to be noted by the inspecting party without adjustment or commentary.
3:53
